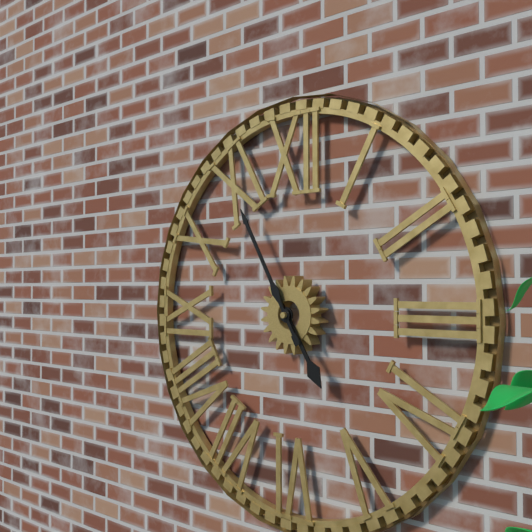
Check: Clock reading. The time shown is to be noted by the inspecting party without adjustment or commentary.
4:55
